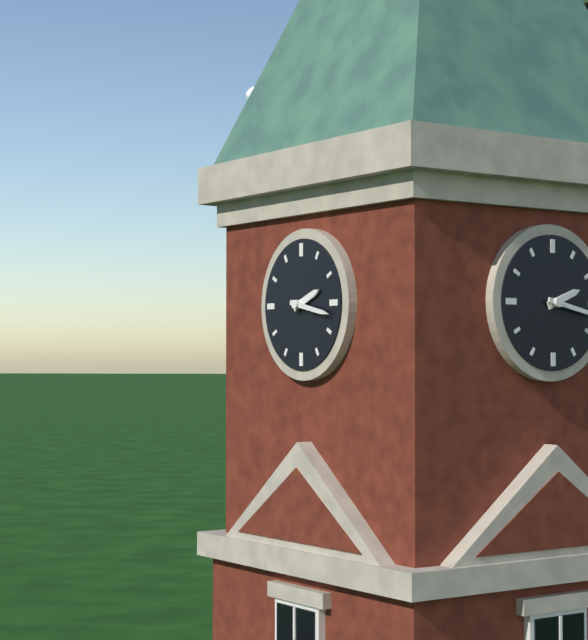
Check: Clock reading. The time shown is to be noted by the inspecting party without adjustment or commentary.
2:17
